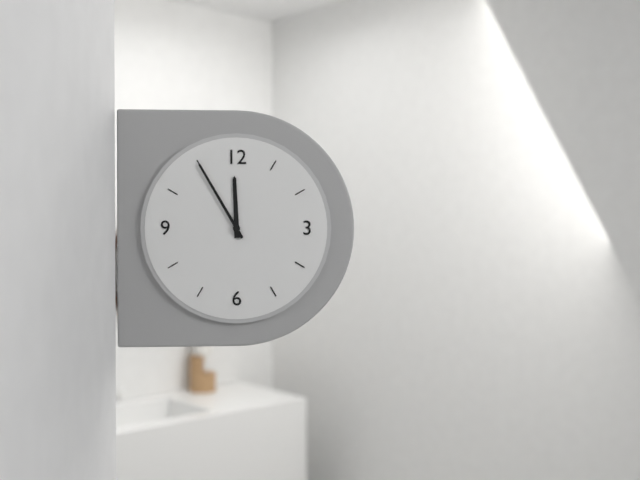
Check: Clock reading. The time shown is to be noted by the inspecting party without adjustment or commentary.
11:55
